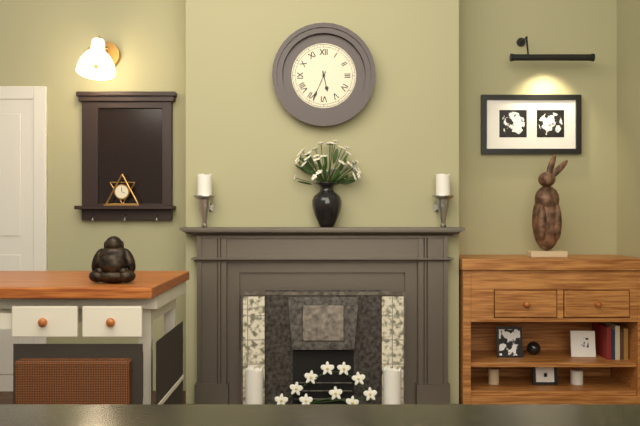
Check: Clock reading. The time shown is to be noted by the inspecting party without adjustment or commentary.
5:34
